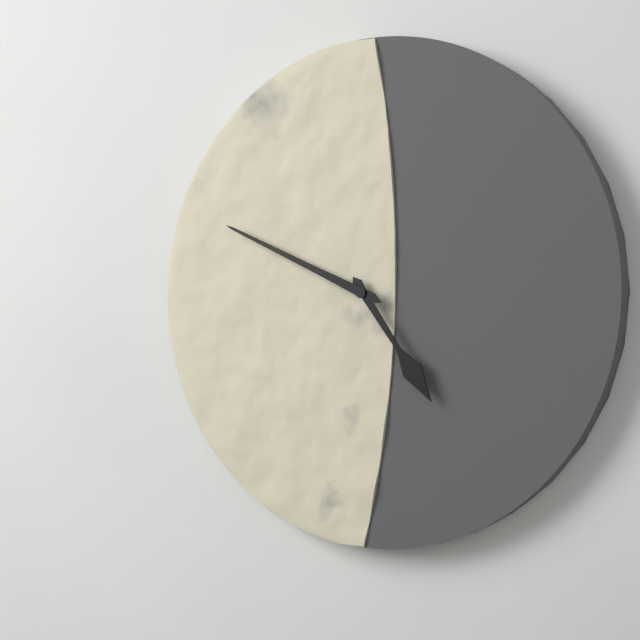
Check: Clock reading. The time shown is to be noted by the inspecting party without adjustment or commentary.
4:49
